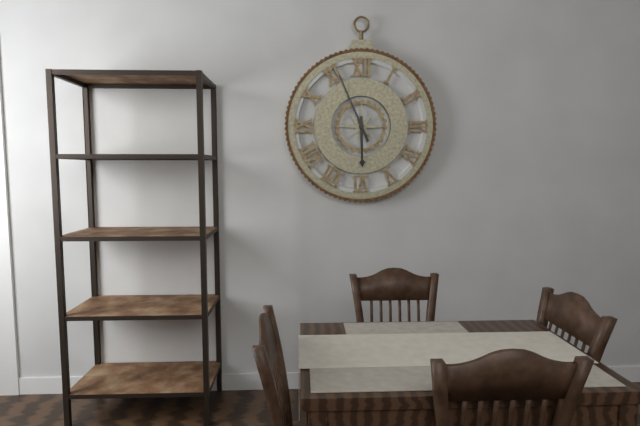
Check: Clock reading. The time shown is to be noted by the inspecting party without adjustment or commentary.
5:56
